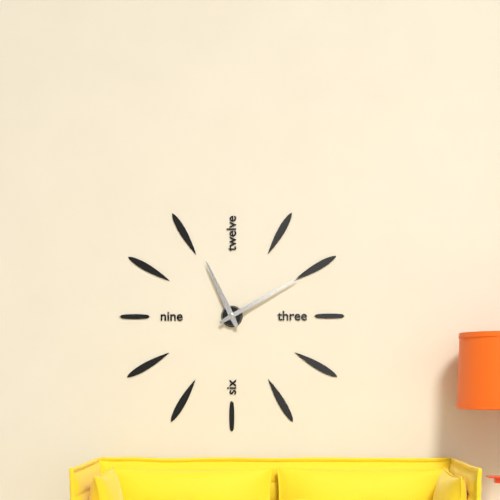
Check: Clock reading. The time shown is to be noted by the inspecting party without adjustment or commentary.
11:10
